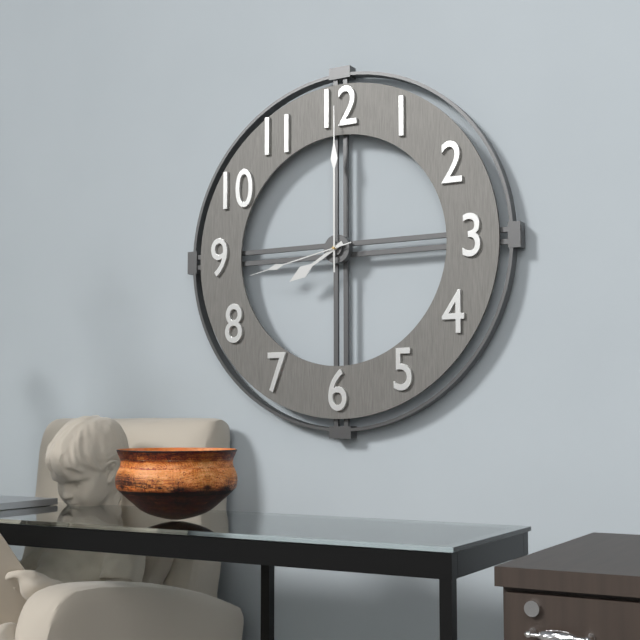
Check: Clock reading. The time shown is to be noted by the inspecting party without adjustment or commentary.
8:00:43
